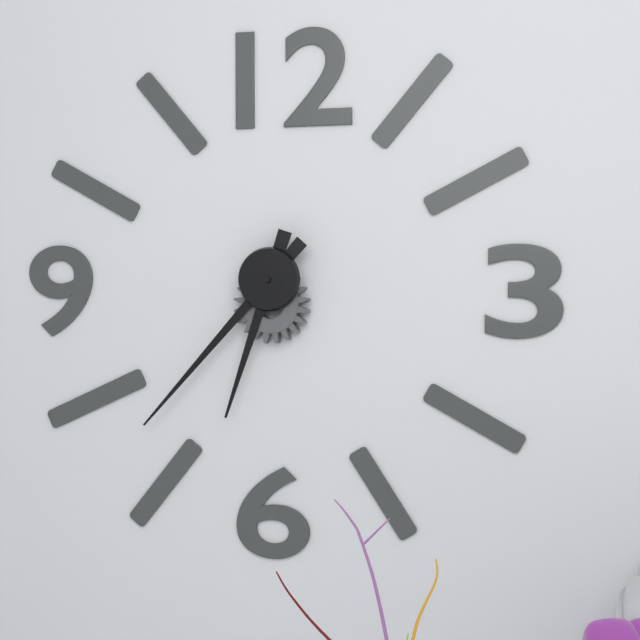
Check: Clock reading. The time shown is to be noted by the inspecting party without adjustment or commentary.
6:37
